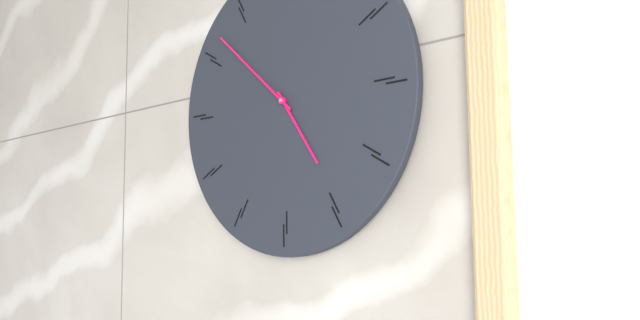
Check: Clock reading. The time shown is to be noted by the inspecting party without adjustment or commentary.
4:52
